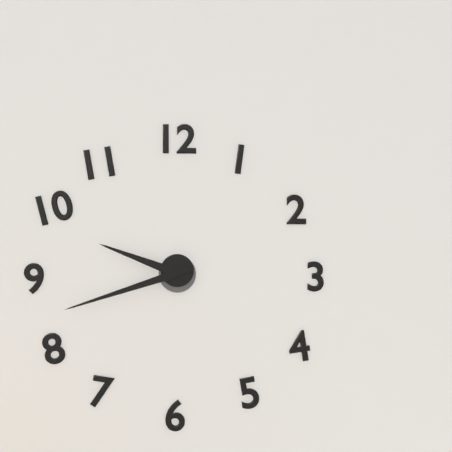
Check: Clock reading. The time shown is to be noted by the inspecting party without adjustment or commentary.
9:42
